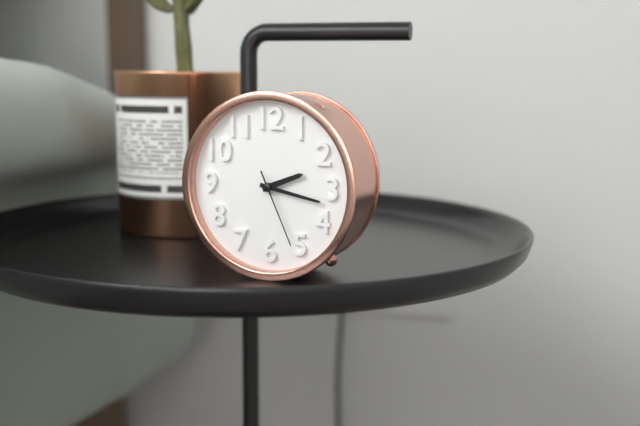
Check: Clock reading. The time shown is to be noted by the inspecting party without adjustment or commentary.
2:17:26
